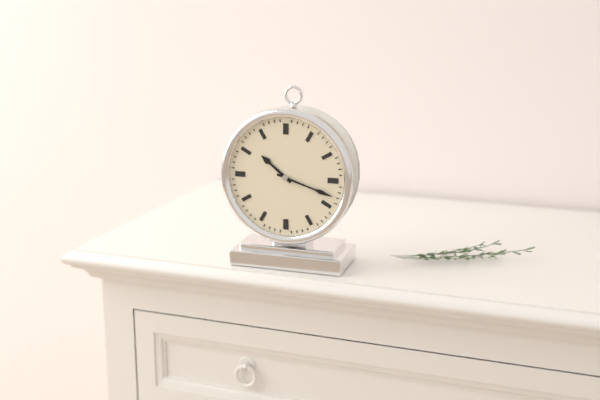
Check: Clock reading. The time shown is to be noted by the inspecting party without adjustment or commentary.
10:18
